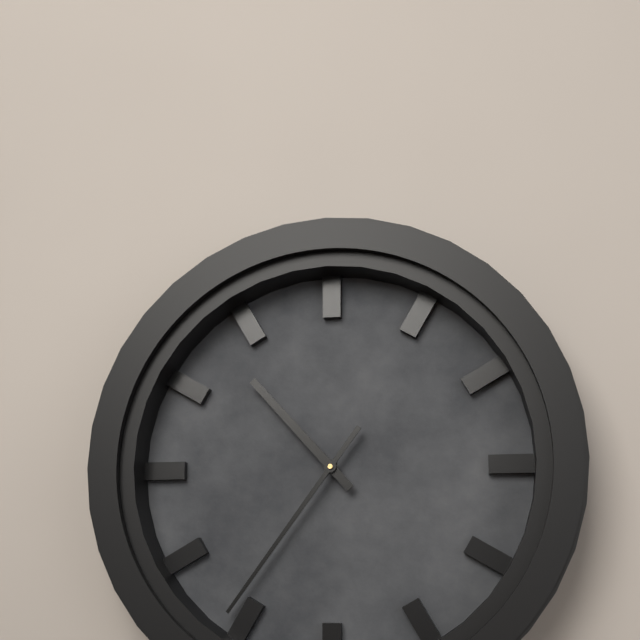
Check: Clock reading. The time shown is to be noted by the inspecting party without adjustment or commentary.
10:36
